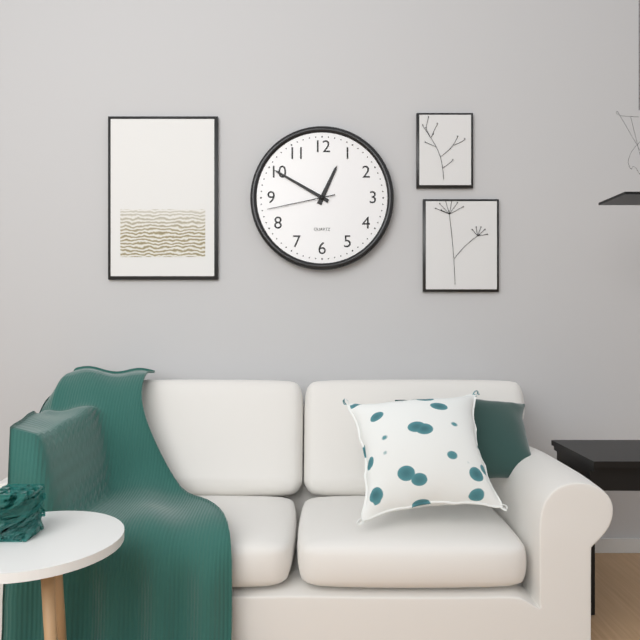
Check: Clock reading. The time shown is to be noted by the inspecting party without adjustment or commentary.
12:50:43
